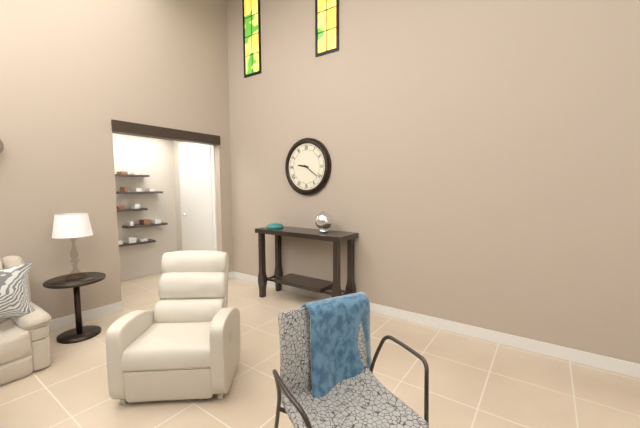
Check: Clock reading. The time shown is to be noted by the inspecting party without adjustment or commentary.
9:21
